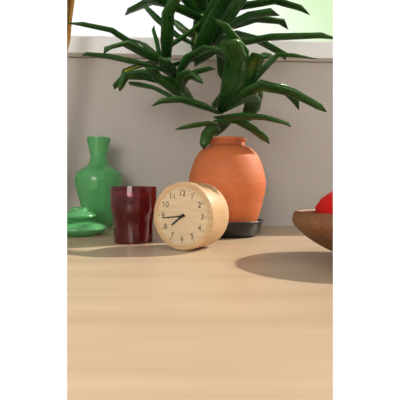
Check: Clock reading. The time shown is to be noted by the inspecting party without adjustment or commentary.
7:44
